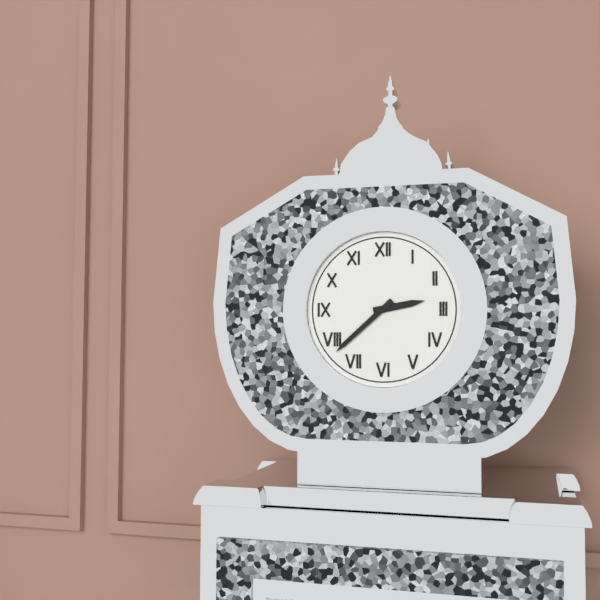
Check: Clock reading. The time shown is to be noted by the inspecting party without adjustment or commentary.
2:38
